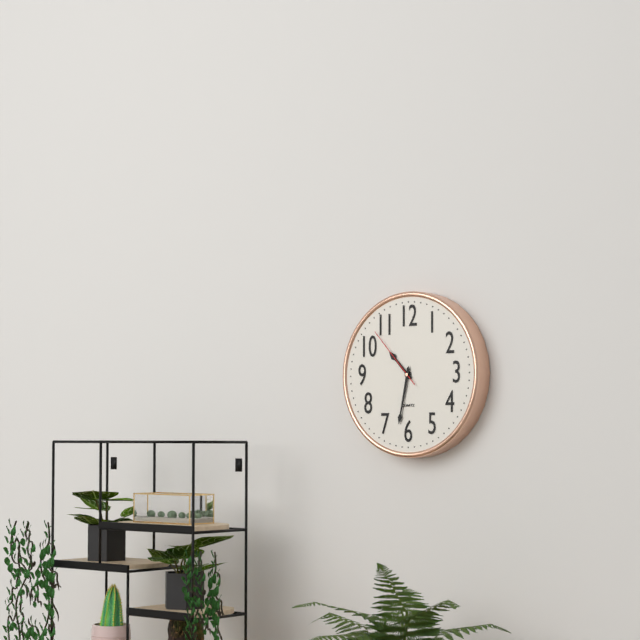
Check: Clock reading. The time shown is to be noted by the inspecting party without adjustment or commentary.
10:32:53
